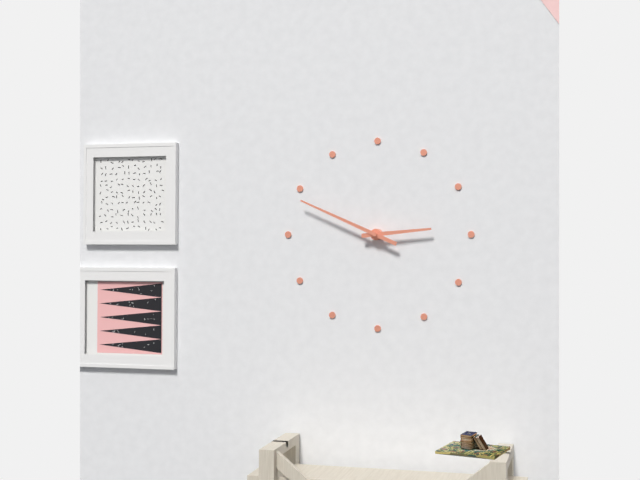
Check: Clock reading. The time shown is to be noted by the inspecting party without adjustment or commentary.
2:49
